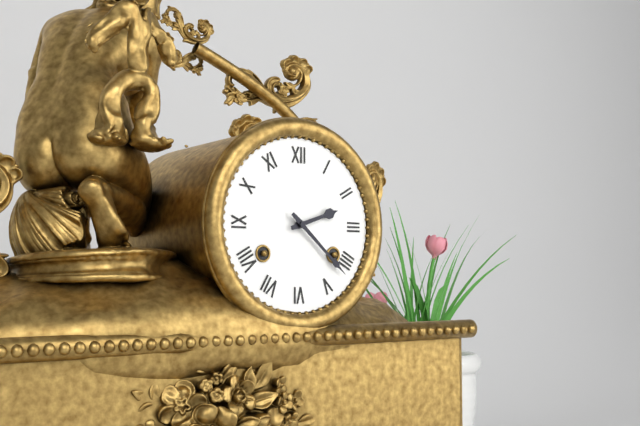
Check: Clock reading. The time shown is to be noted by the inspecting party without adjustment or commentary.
2:22
